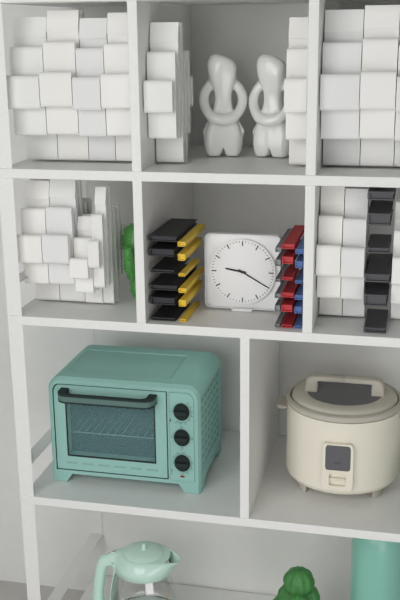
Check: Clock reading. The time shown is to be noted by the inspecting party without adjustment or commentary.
9:20
